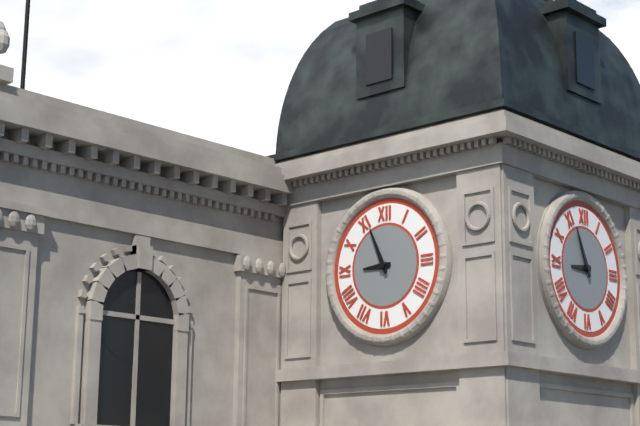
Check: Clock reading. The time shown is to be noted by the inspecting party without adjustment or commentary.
8:56
